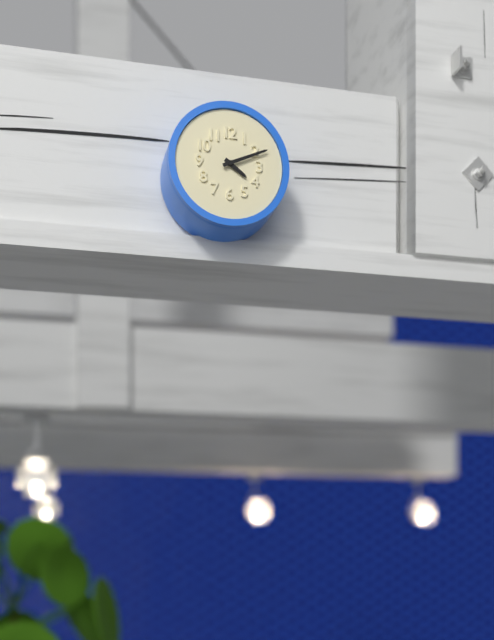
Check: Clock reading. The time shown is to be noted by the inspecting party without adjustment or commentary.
4:11
